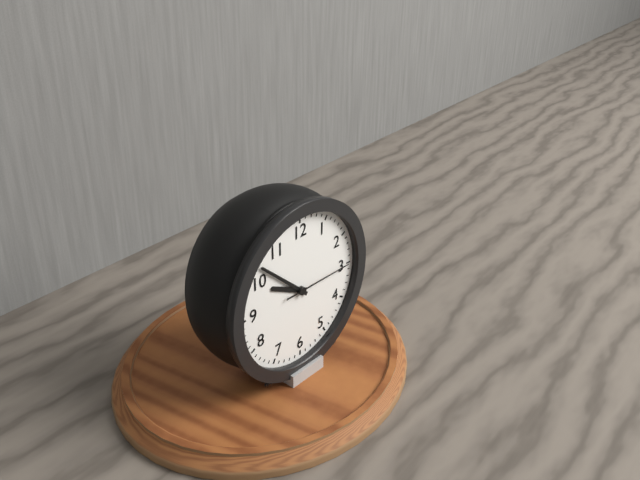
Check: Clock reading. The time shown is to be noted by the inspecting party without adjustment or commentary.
9:52:15
